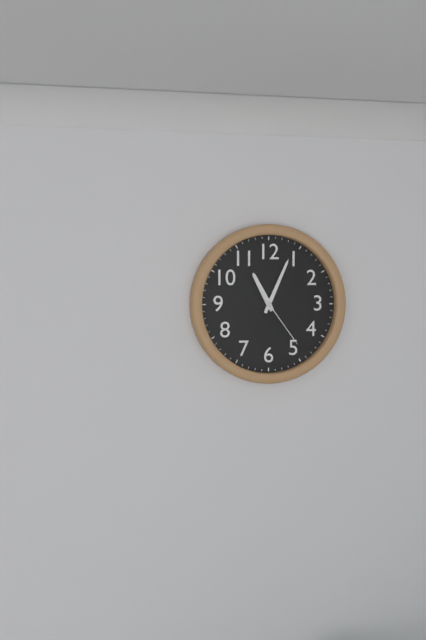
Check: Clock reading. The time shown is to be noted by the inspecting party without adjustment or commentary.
11:04:24
